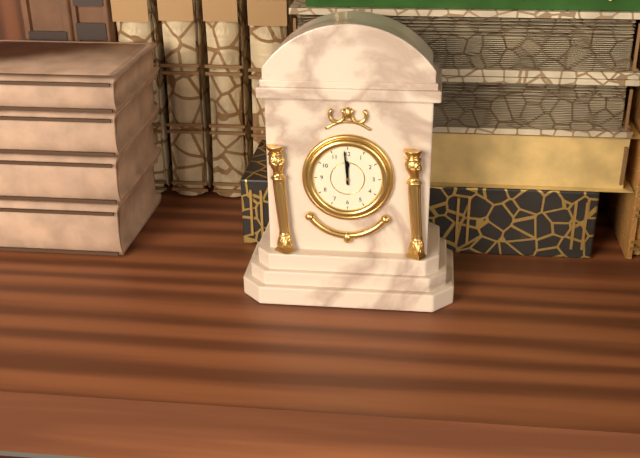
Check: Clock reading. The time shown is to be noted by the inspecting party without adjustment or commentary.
11:59
